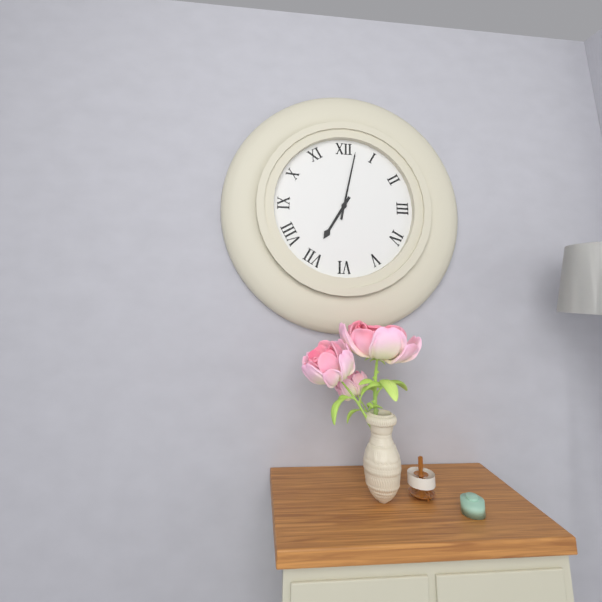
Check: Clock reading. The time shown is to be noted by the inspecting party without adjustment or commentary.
7:02
